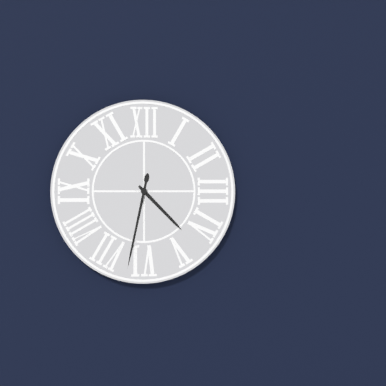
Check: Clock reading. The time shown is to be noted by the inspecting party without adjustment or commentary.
4:32
